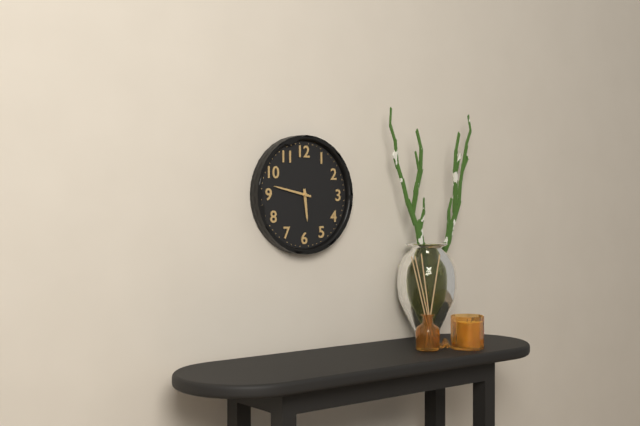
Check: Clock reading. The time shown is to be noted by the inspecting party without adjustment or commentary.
5:47
